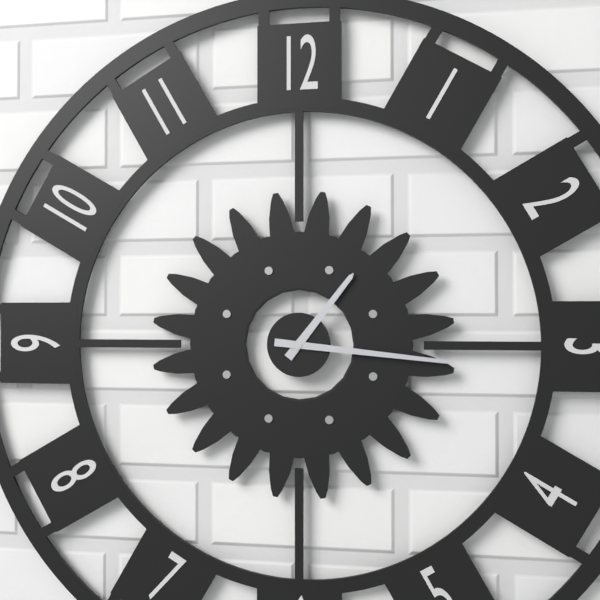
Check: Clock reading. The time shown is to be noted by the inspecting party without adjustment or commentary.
1:16
